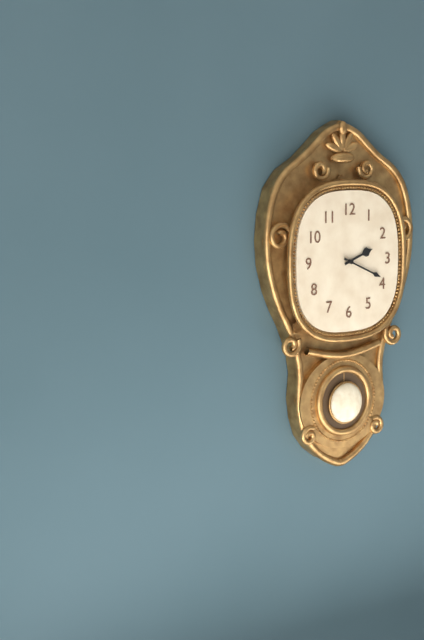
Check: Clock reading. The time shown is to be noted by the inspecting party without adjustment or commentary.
2:19
